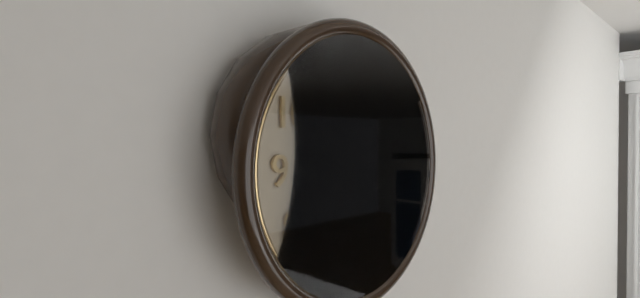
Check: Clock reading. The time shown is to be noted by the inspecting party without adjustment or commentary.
12:52:15
